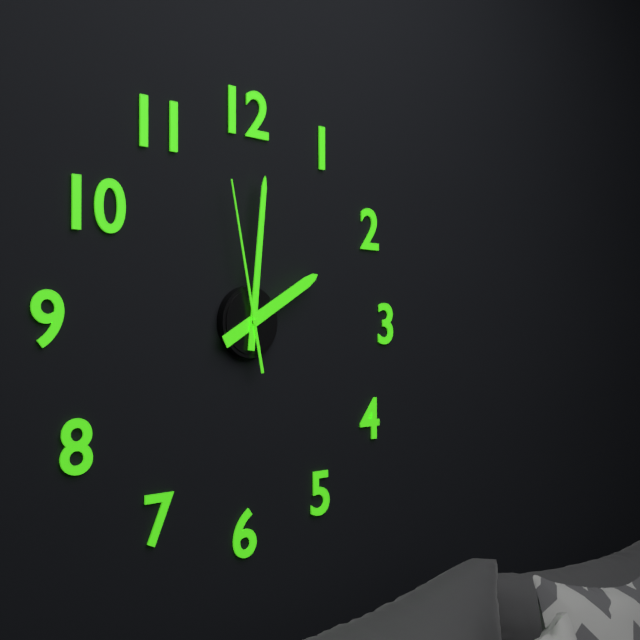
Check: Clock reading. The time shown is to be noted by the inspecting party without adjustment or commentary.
2:01:58
